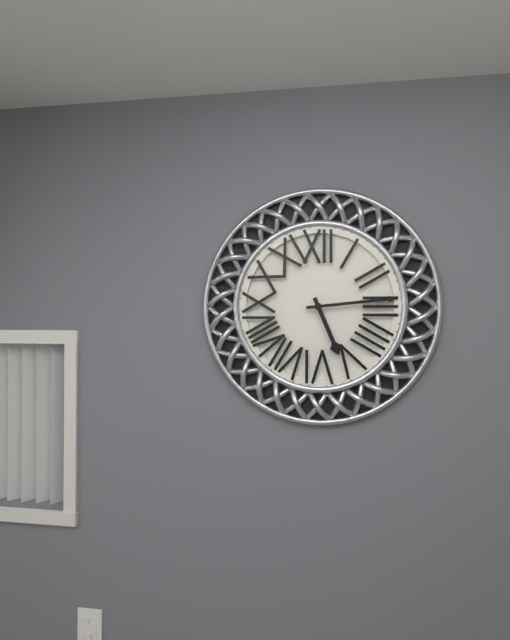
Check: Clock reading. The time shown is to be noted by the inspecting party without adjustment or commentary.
5:14
